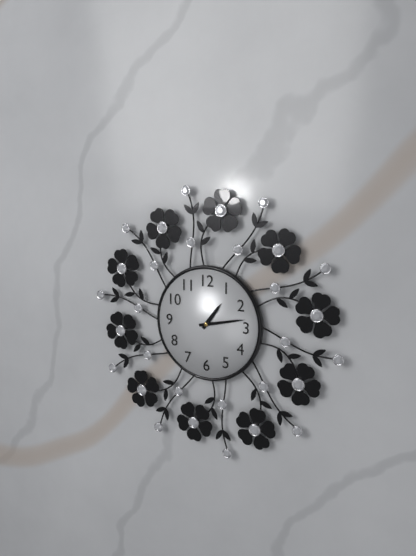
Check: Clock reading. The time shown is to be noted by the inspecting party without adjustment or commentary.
1:13
